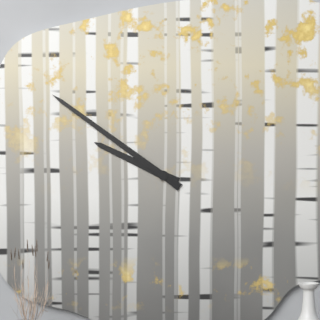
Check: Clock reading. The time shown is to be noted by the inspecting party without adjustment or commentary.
9:51
